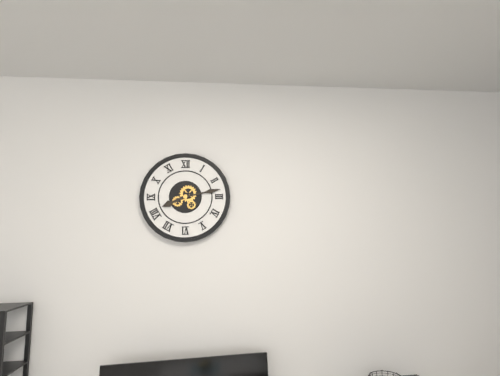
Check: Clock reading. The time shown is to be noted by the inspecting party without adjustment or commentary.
8:13
